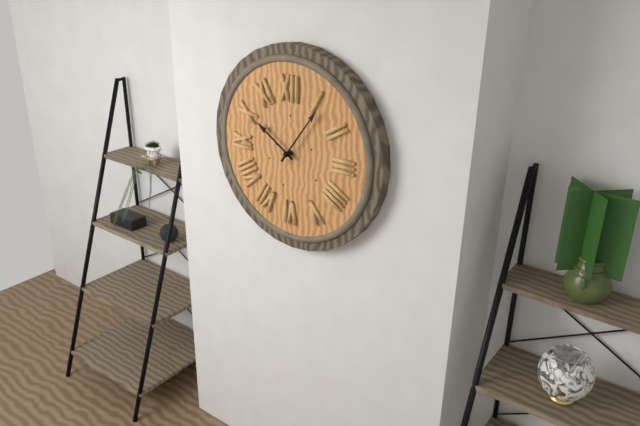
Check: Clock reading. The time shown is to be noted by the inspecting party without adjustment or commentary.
10:06
